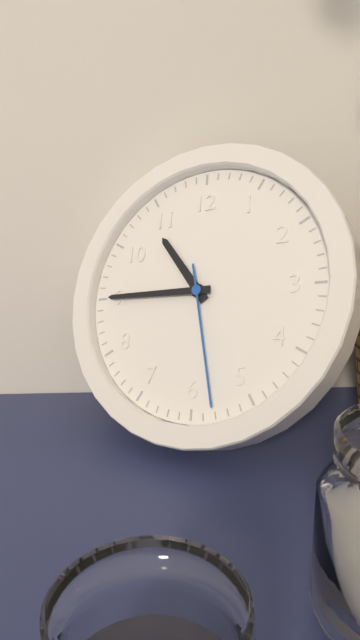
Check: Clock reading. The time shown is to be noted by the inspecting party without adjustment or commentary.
10:45:28
